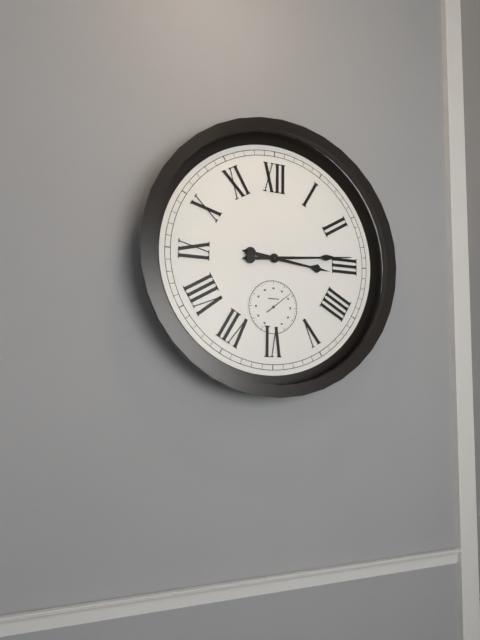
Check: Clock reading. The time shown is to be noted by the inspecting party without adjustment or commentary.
3:14
